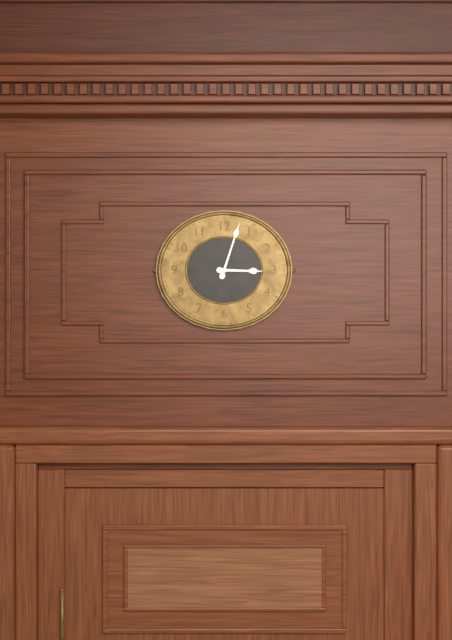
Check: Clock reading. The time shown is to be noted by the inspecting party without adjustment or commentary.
3:03
